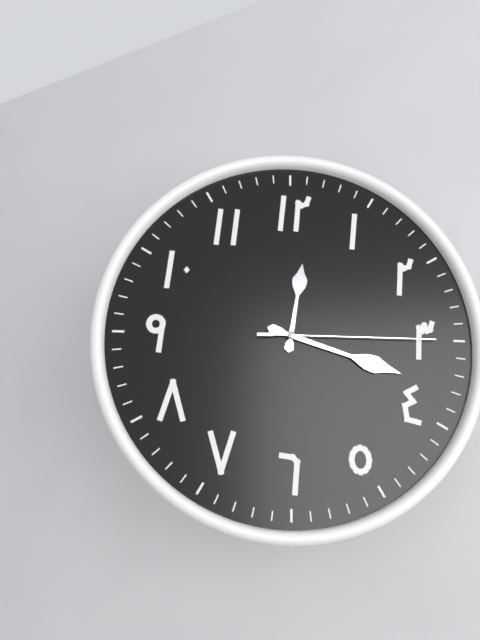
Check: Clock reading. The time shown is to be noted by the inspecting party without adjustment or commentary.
12:18:15
